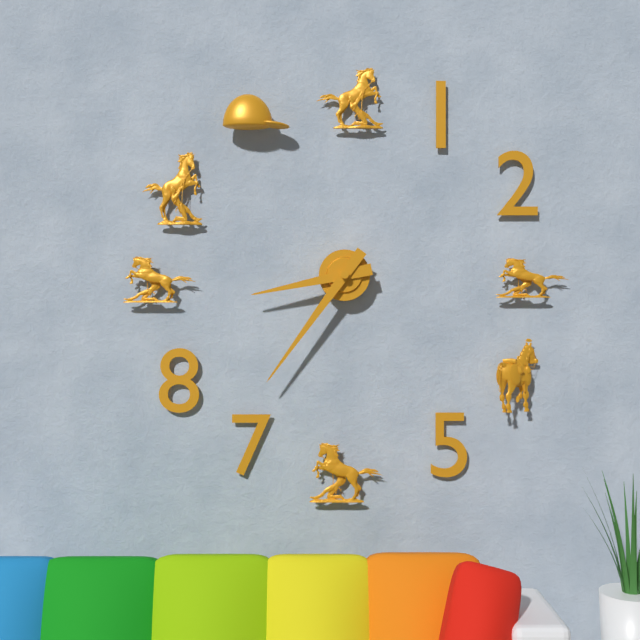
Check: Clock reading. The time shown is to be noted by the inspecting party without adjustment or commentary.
8:36
